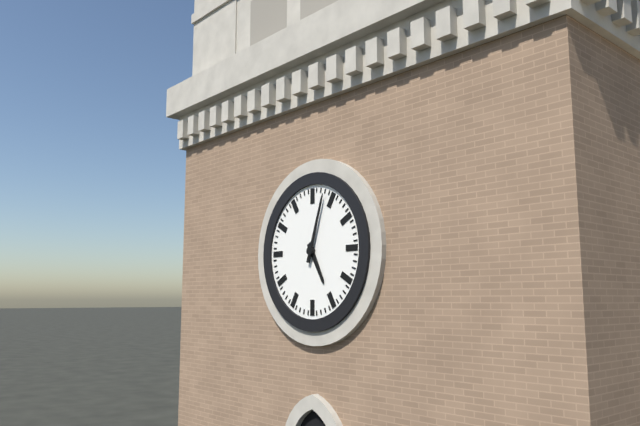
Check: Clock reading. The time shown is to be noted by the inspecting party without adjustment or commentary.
5:03
